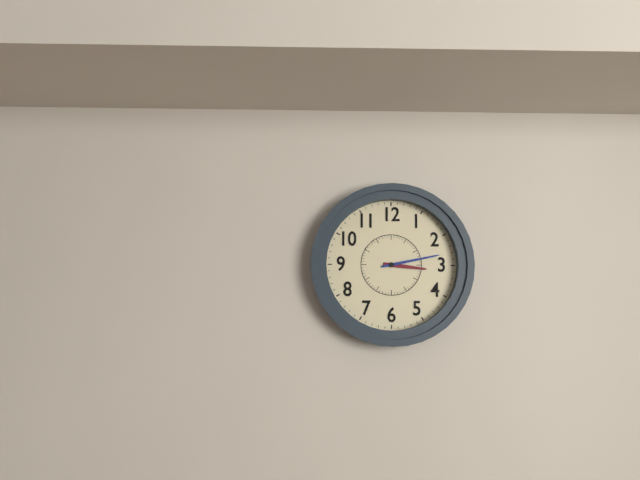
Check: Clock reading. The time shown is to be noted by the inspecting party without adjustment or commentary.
3:13
